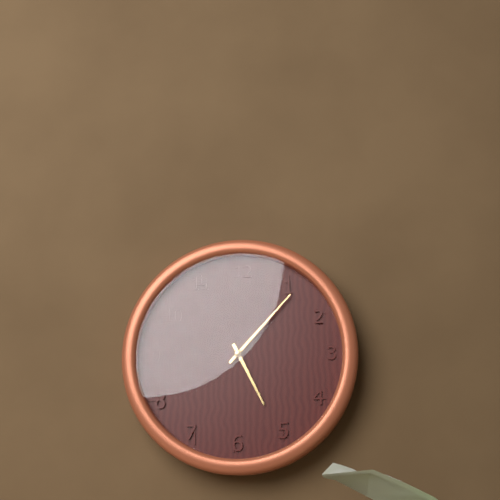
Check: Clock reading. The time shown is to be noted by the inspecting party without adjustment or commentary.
5:07
